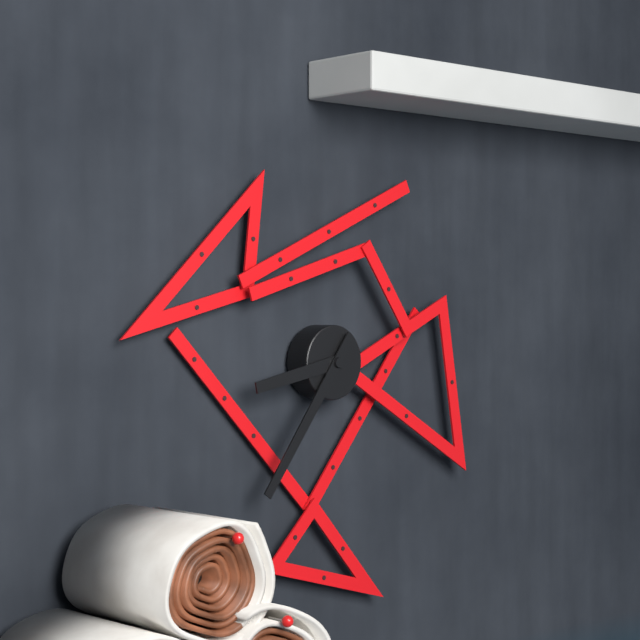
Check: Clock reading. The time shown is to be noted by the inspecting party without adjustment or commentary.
8:36
